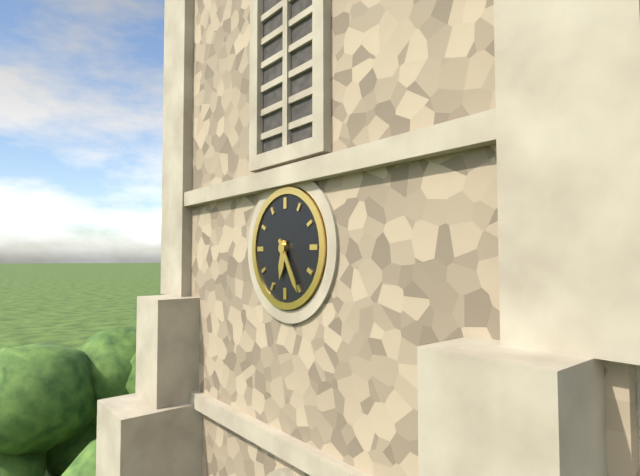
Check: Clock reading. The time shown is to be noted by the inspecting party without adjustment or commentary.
6:25
